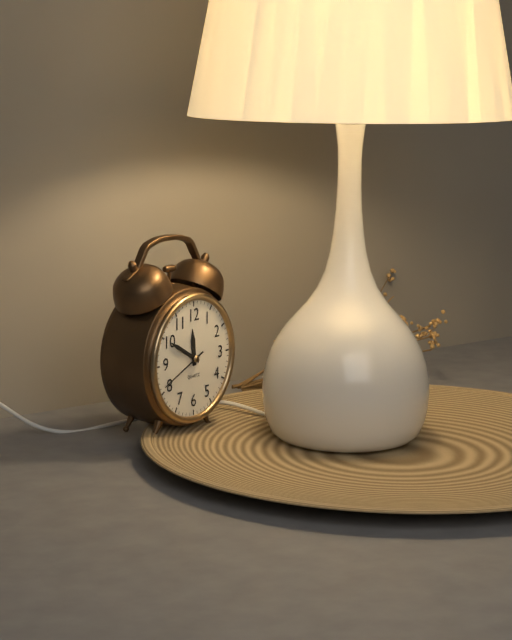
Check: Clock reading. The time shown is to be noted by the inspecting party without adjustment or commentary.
11:50:41
